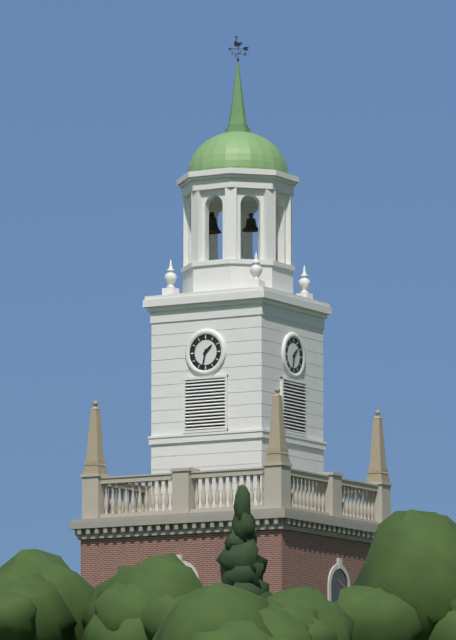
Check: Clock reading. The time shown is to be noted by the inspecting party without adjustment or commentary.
1:32
